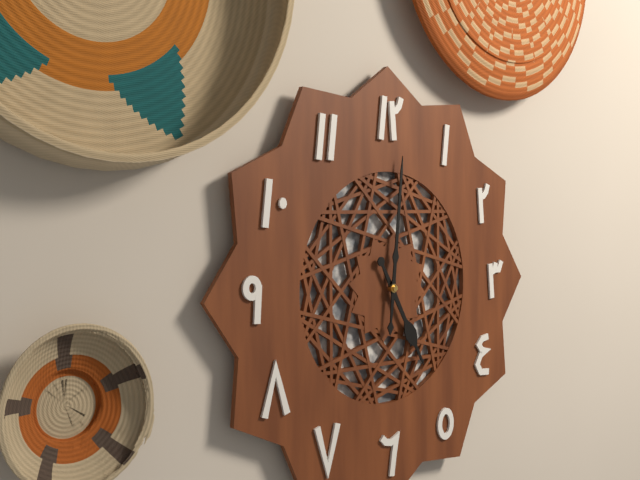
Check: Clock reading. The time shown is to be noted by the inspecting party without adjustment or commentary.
5:01
